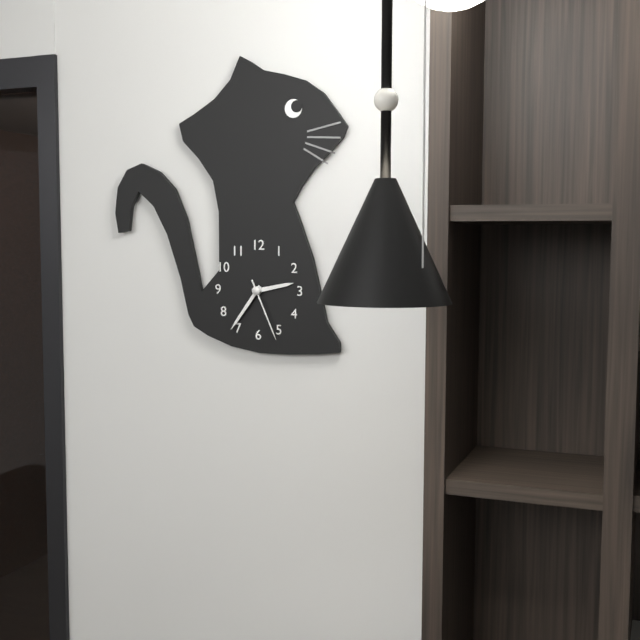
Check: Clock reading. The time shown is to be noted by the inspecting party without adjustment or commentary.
2:36:26
